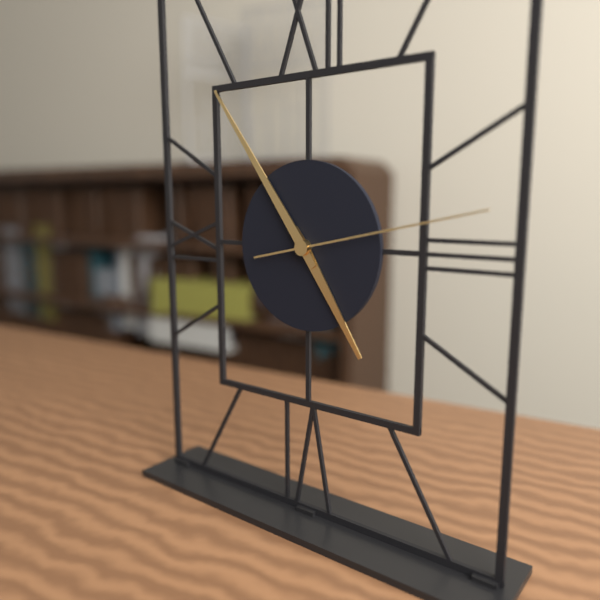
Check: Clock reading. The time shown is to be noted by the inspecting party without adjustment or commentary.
4:54:13
